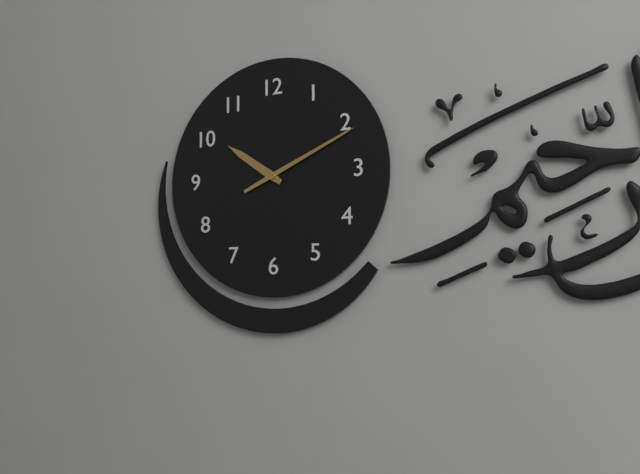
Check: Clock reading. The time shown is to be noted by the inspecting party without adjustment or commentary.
10:11
